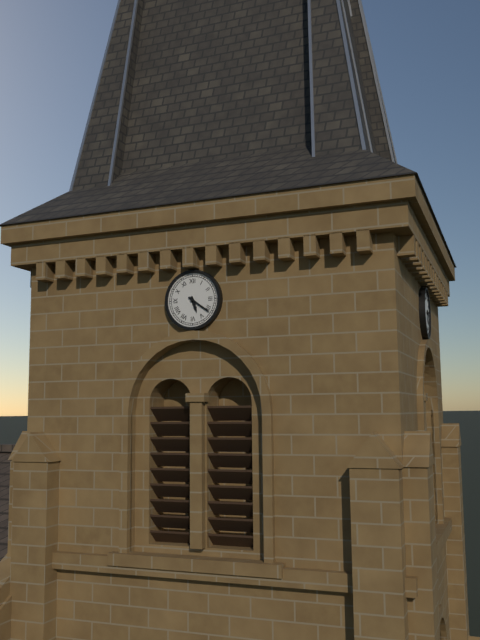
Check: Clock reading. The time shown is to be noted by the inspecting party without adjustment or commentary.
5:21
